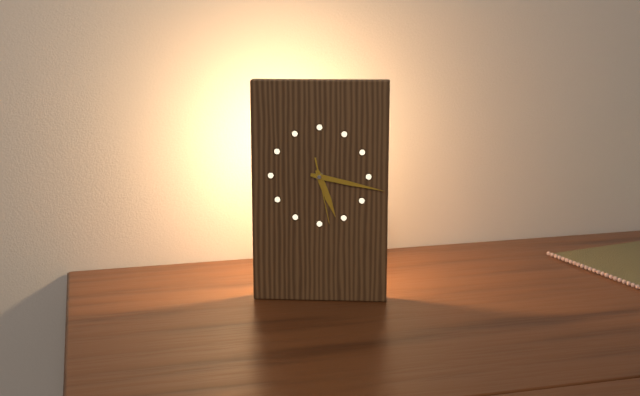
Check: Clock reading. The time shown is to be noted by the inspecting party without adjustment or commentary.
5:17:28
